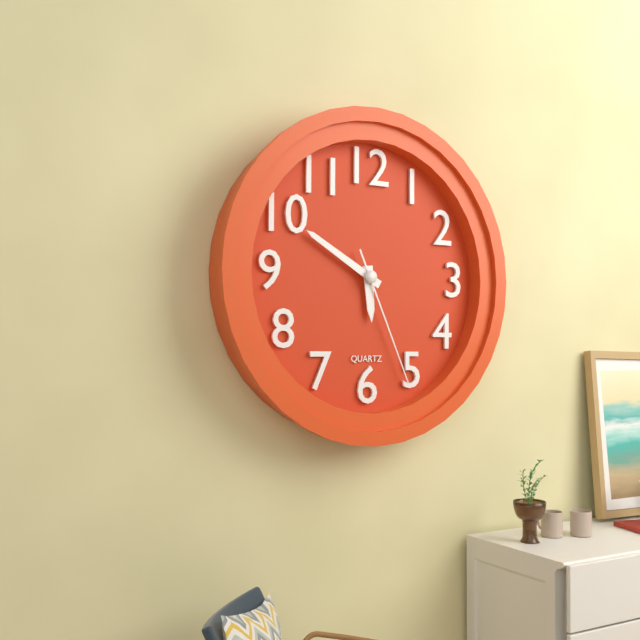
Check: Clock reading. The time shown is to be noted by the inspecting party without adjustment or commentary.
5:50:26
